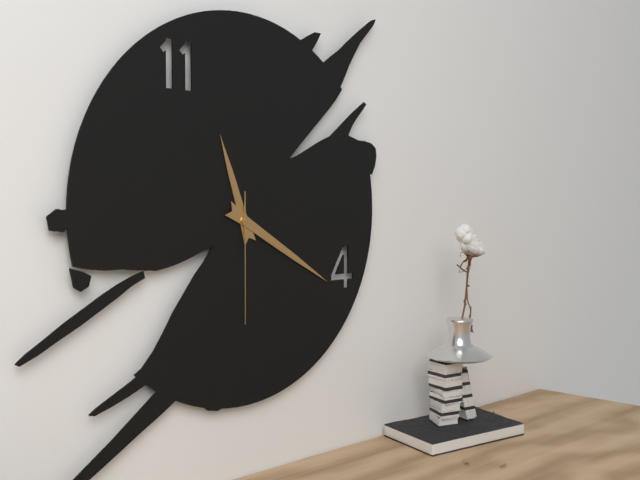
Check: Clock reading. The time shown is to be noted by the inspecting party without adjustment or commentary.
11:20:30
